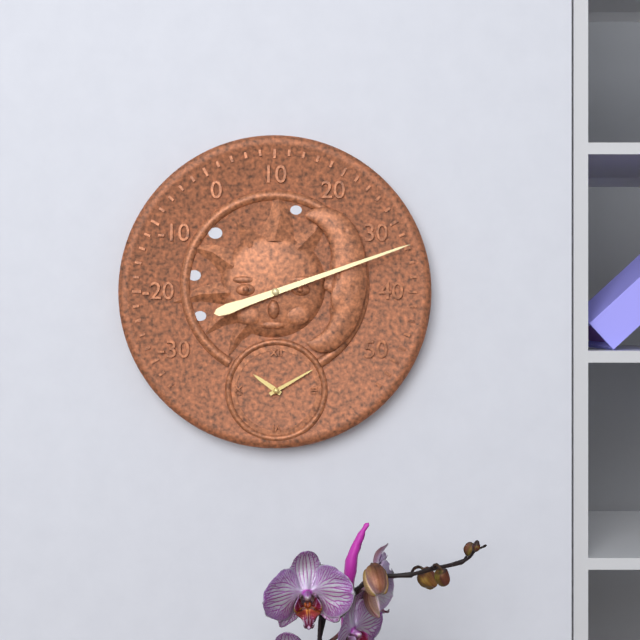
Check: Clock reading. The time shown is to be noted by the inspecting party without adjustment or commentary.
10:10
